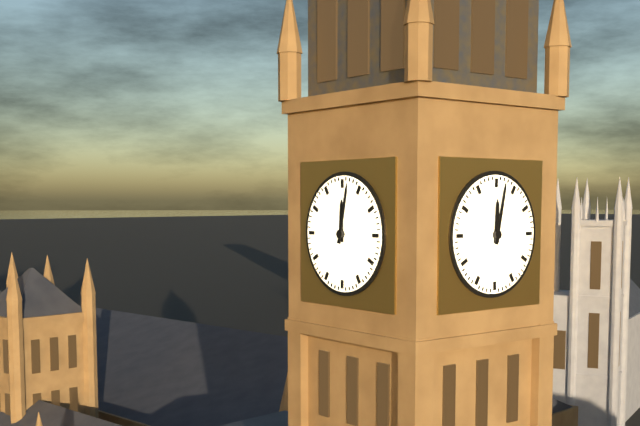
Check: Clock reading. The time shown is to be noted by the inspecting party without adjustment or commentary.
12:02
